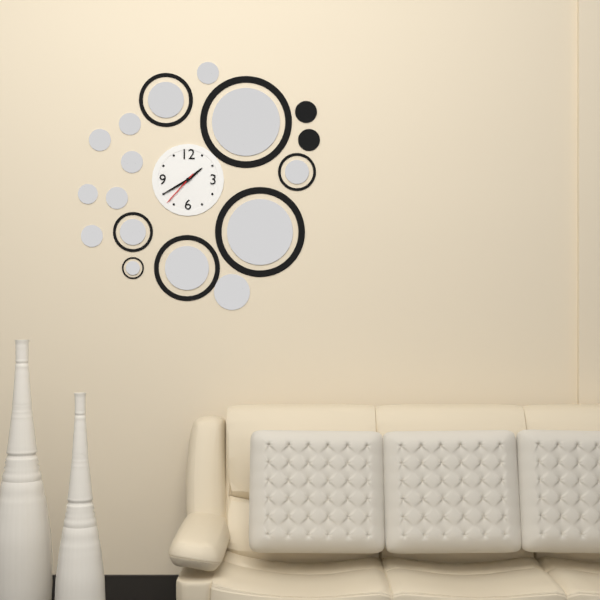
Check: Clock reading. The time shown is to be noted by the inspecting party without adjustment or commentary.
1:40
